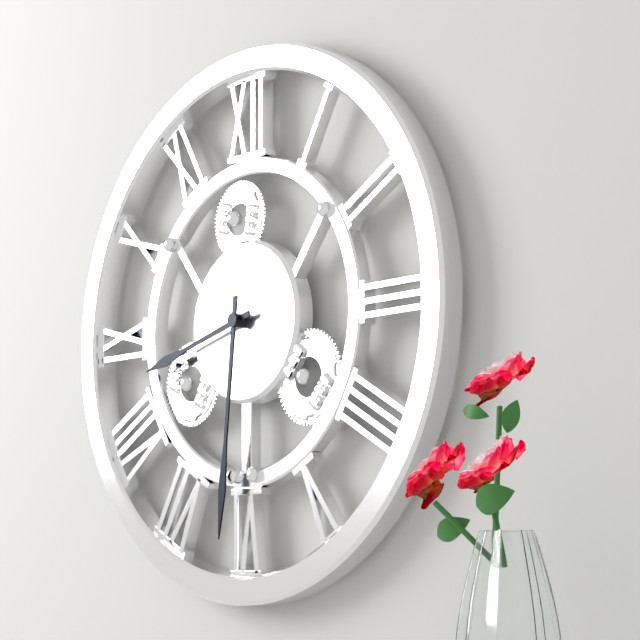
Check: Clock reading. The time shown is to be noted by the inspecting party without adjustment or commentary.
8:31
